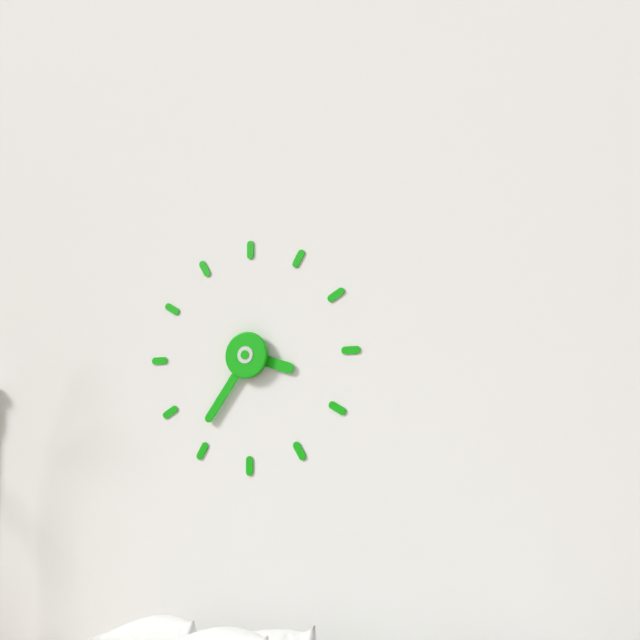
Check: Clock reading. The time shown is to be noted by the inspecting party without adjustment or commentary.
3:36
